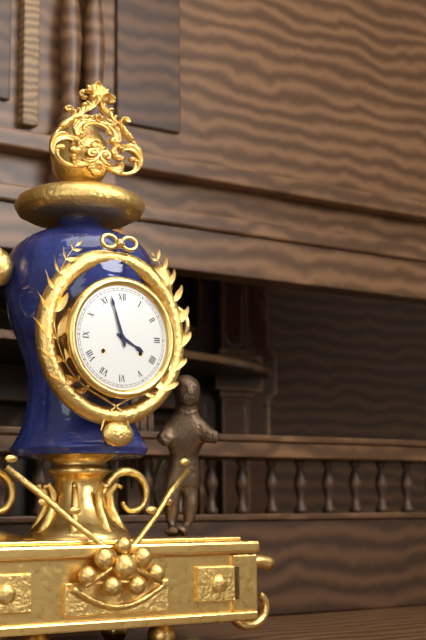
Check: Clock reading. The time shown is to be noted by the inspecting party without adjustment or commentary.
3:57
